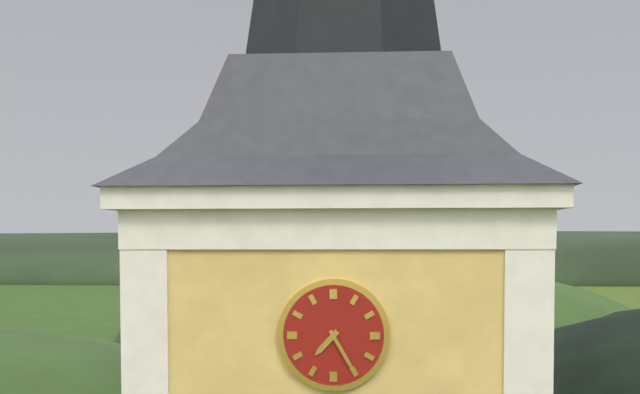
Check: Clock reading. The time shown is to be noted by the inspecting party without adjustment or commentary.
7:25
